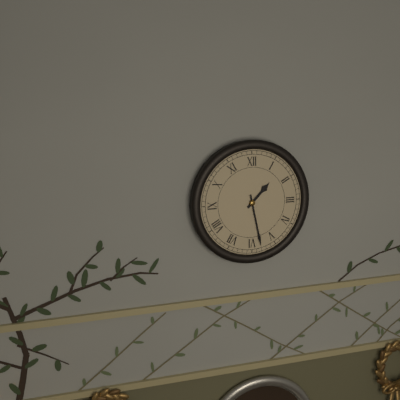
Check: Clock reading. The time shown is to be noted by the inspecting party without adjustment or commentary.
1:28
